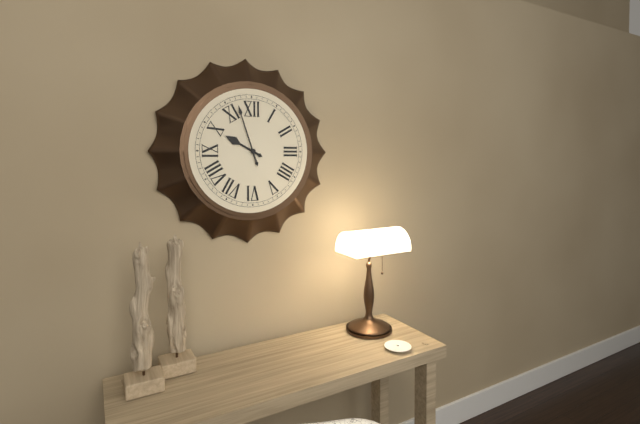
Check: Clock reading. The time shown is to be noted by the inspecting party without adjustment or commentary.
9:57
